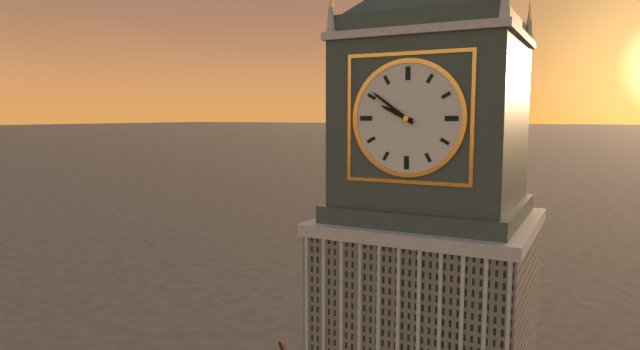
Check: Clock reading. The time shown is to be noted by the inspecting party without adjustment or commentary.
9:51
